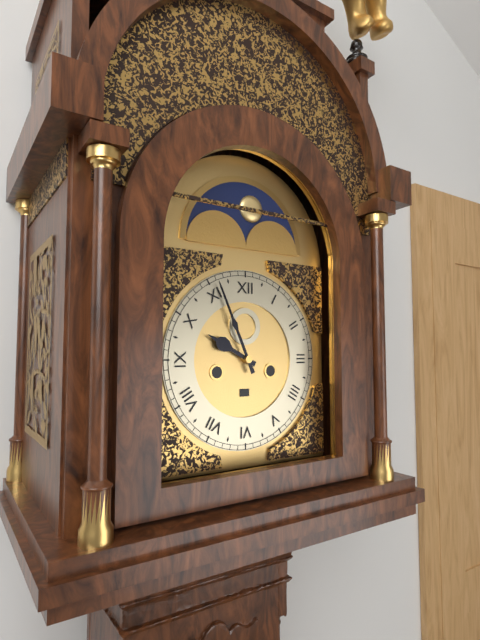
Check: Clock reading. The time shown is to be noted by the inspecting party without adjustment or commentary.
9:56
